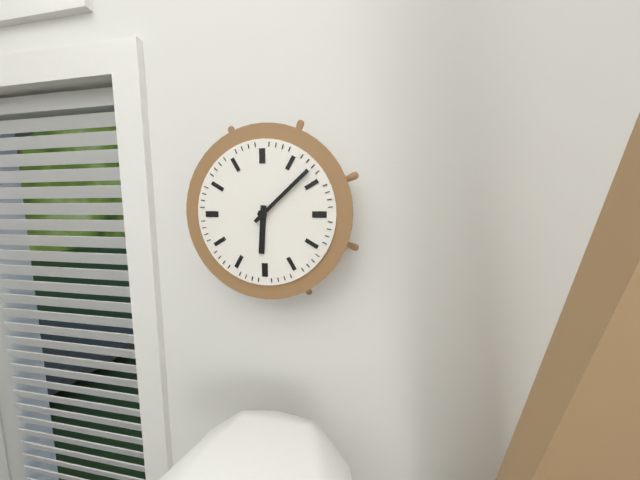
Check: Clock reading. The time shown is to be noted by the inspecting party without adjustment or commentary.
6:08
